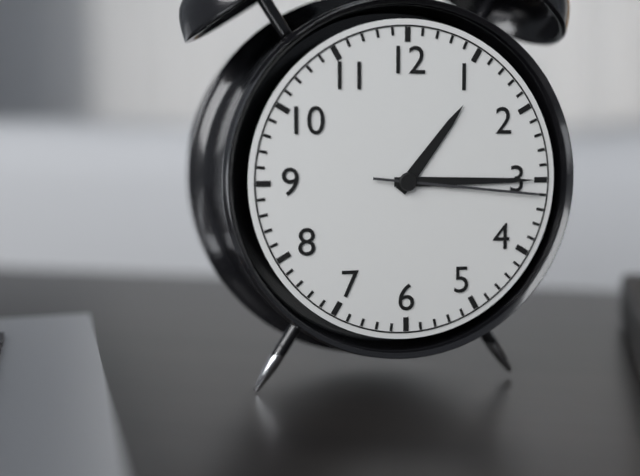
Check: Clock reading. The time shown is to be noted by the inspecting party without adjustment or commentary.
1:15:16
